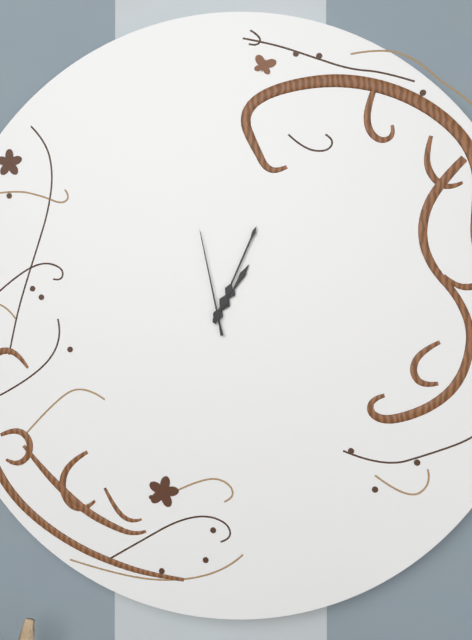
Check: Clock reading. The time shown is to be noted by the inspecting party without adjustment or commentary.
1:04:58
